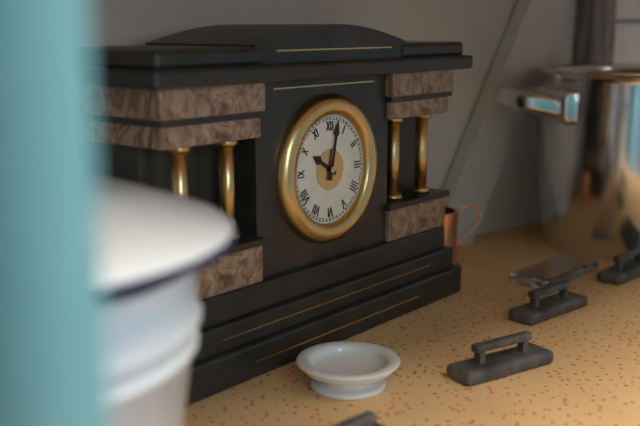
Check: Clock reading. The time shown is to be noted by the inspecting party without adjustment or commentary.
10:02
